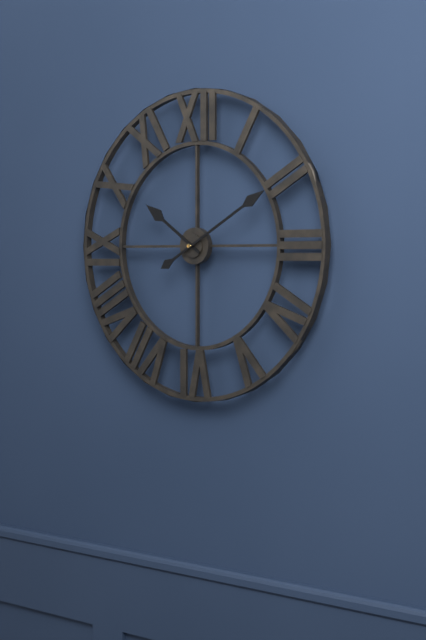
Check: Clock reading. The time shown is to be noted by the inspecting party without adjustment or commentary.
10:10
